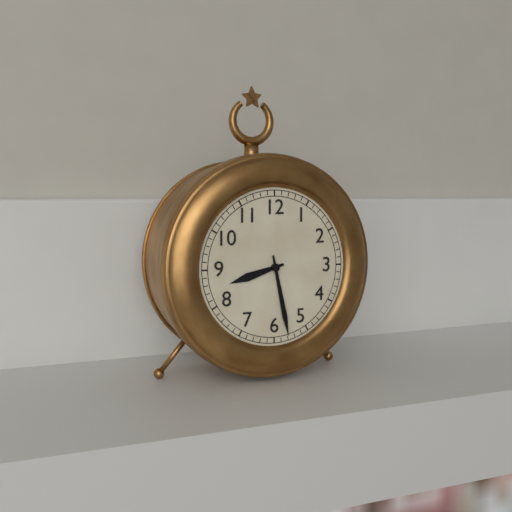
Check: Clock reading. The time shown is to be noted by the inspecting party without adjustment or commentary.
8:28
